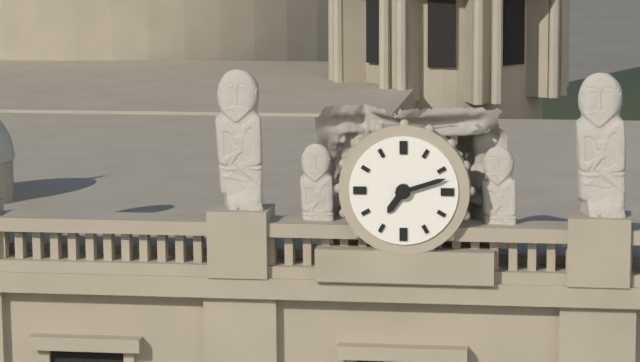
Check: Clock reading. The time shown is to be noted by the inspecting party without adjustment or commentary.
7:12
